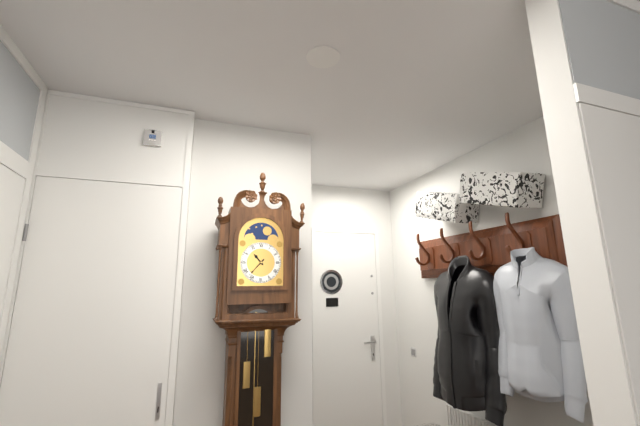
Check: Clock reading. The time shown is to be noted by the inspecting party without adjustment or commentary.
10:37
